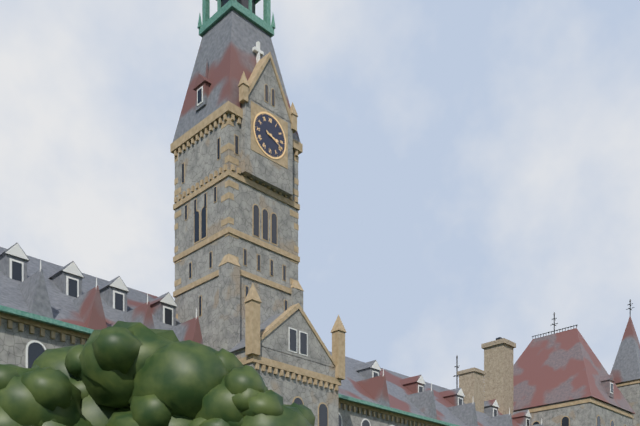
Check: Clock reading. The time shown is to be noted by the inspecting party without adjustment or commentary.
3:19
